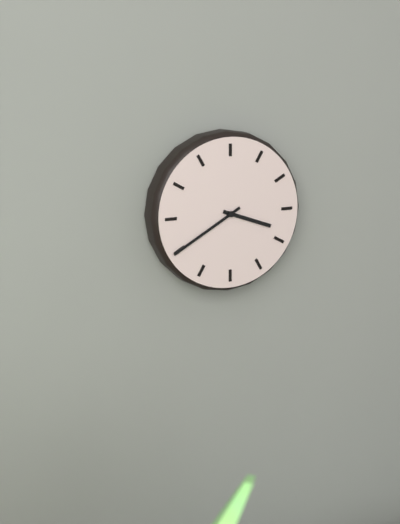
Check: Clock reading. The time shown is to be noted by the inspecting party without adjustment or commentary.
3:40
